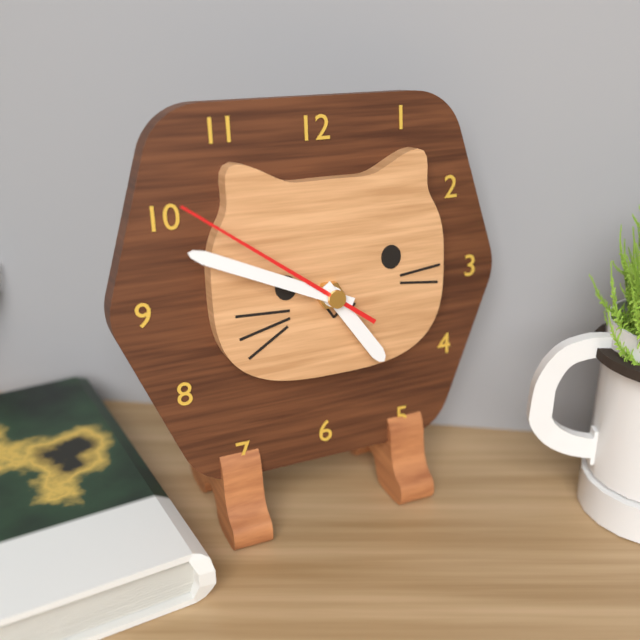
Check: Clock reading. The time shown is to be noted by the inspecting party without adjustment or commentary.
4:49:51
